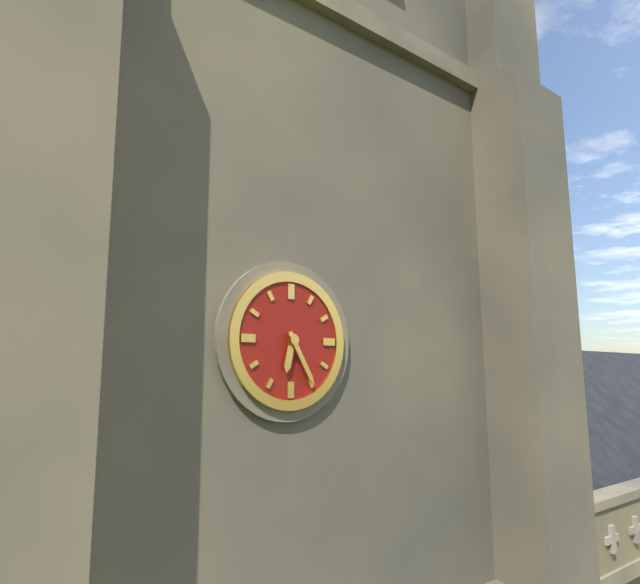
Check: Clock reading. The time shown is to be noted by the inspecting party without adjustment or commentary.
6:25
